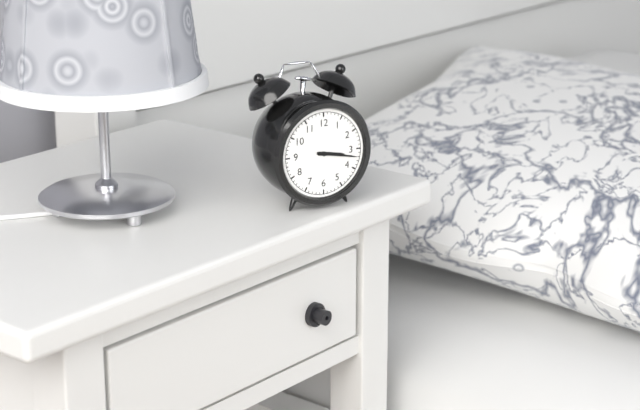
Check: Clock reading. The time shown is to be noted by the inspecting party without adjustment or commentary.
3:17
